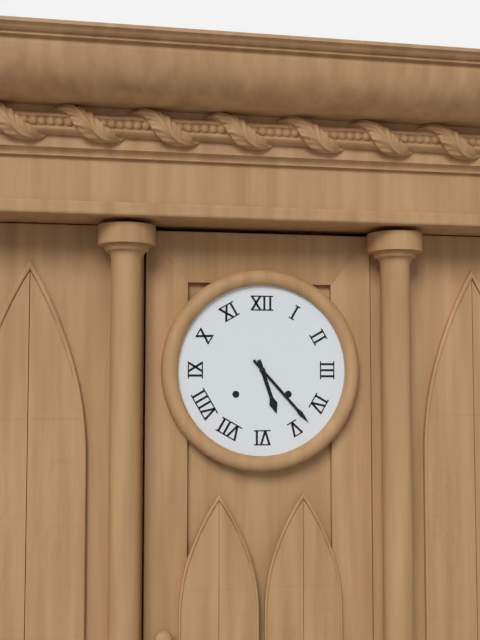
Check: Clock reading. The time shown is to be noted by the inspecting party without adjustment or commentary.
5:23
